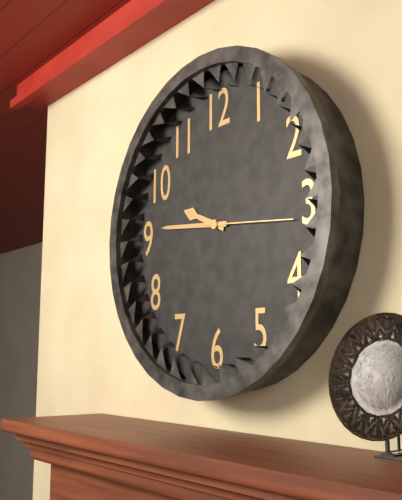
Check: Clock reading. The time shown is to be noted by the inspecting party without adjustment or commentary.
9:46:16
